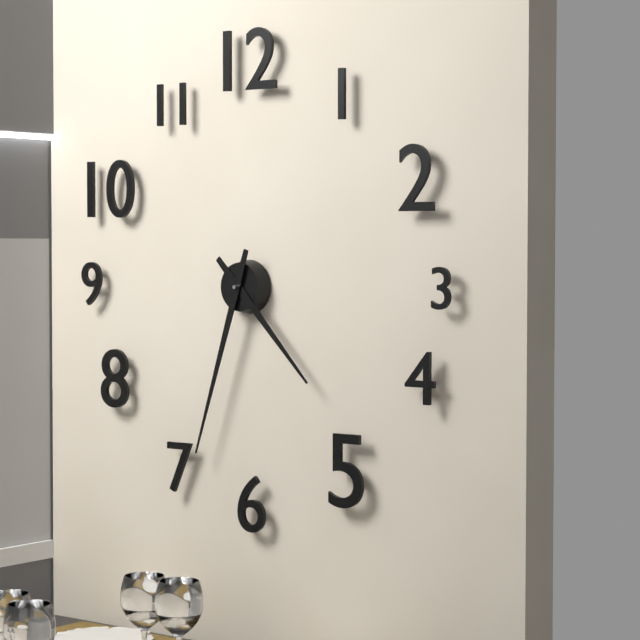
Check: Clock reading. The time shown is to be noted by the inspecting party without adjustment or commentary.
4:33
